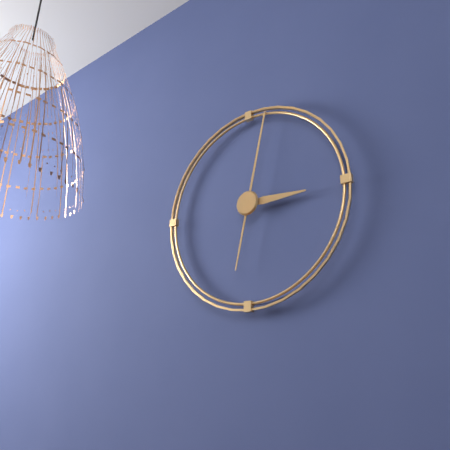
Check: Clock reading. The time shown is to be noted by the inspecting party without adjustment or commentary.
3:02
